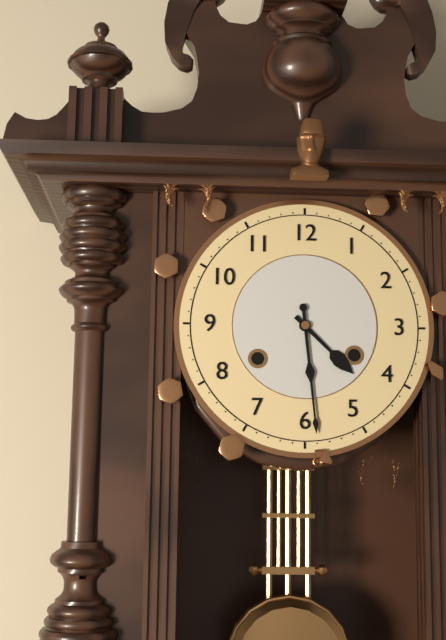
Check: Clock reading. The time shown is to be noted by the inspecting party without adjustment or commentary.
4:29
